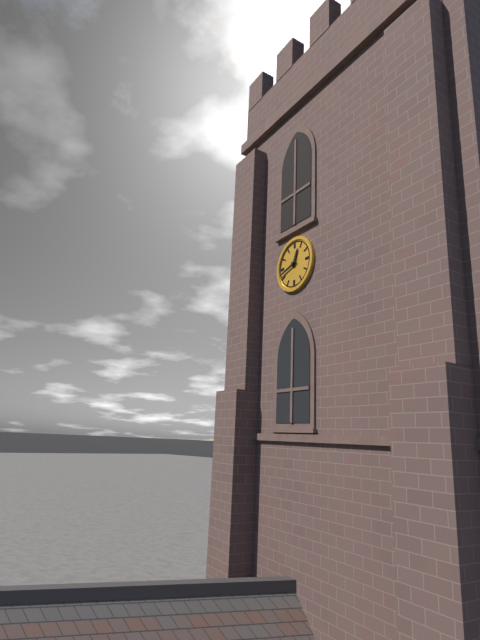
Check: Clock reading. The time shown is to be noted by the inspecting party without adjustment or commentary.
12:42
